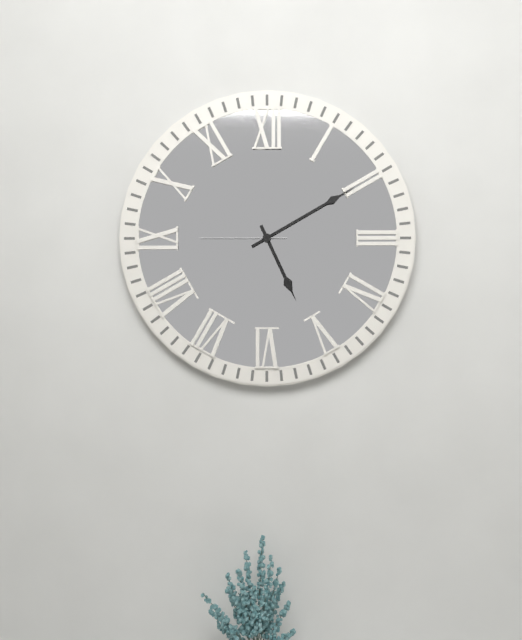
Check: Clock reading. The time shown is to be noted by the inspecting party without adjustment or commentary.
5:10:45
